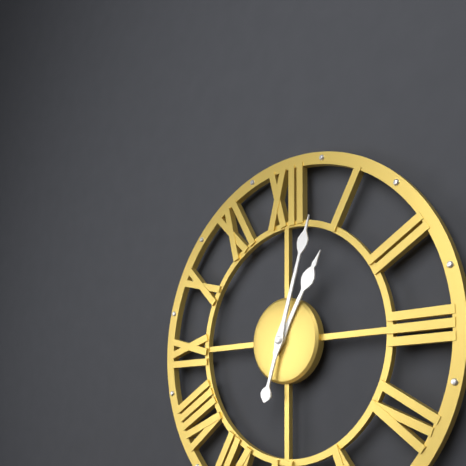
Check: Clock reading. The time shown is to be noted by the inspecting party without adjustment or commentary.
1:03
